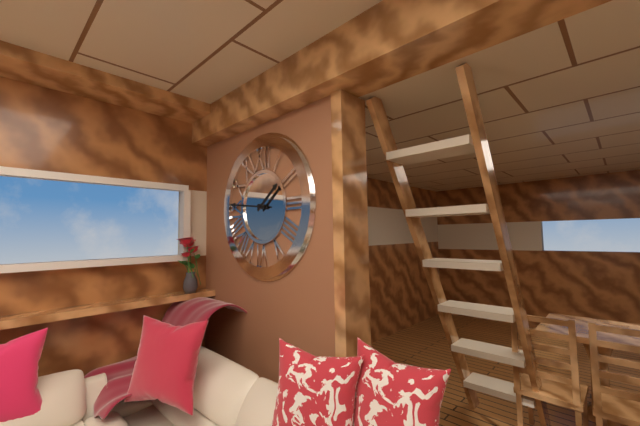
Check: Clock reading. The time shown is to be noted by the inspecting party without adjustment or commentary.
1:46
